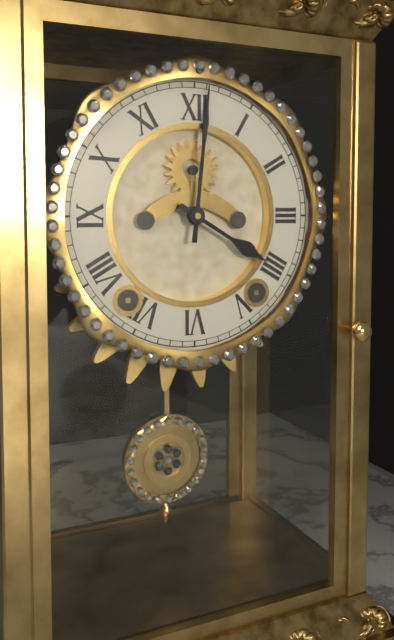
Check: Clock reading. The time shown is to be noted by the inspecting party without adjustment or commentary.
4:01
